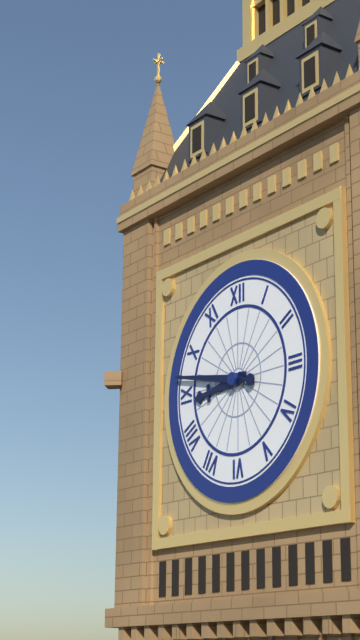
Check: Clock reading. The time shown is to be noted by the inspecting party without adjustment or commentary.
8:47
